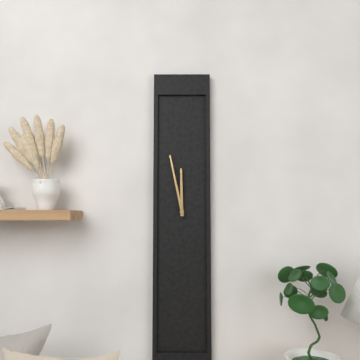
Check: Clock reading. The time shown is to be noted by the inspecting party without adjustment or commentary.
11:58
